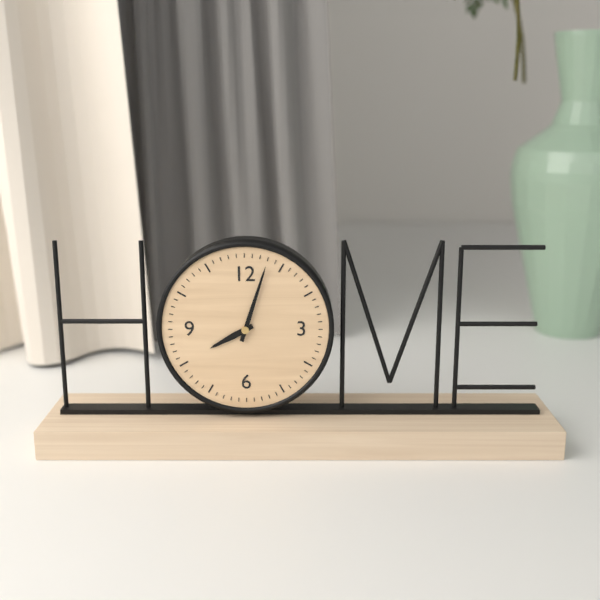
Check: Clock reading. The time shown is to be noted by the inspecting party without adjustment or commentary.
8:03
